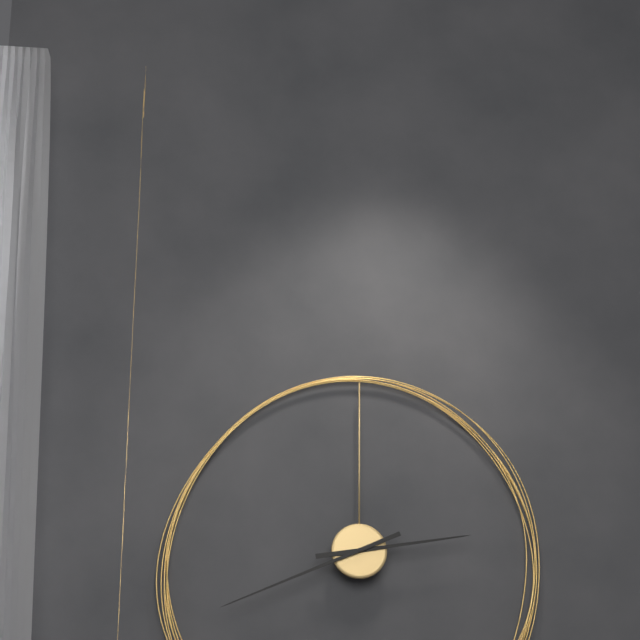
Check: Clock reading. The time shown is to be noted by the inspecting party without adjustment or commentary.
2:41
